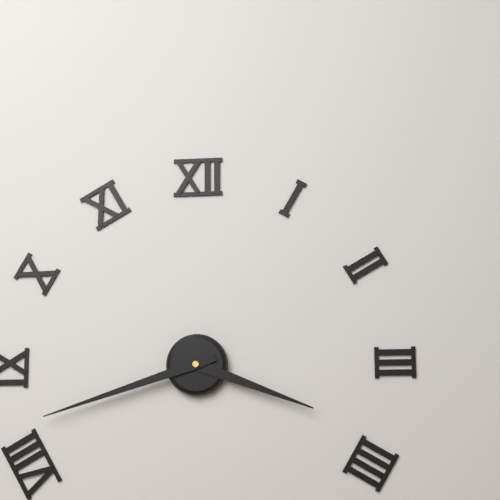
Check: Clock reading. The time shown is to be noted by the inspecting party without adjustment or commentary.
3:42
